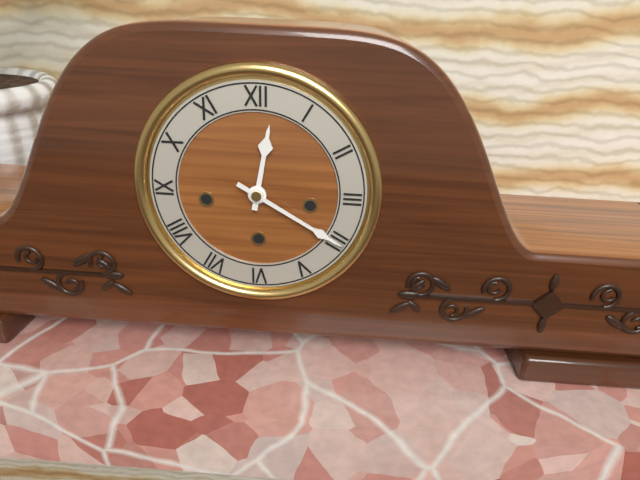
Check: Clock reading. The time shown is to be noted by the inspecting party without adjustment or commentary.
12:20
